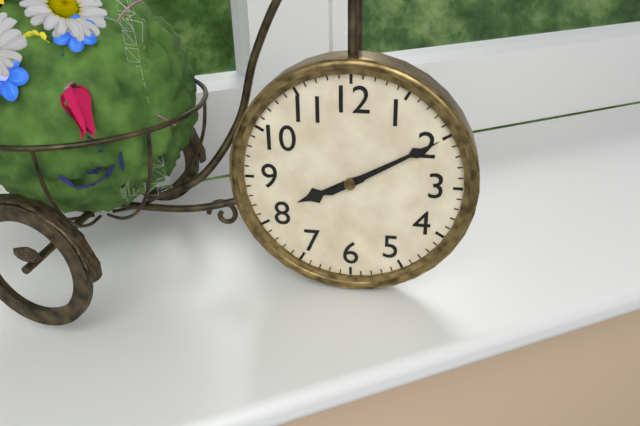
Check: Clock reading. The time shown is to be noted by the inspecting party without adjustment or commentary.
8:10
